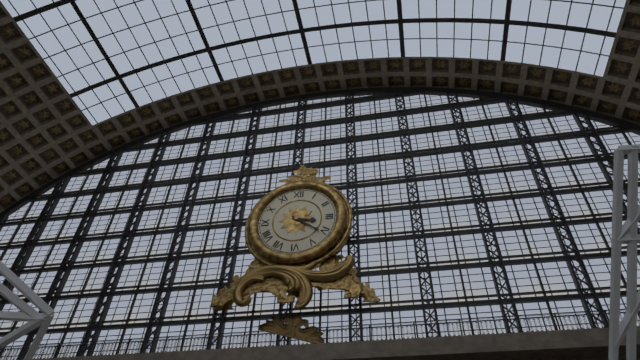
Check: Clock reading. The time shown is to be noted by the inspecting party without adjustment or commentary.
3:21
